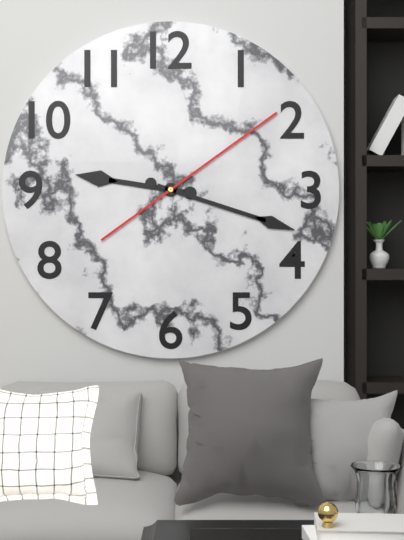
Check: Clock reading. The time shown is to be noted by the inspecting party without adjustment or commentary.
9:18:09
